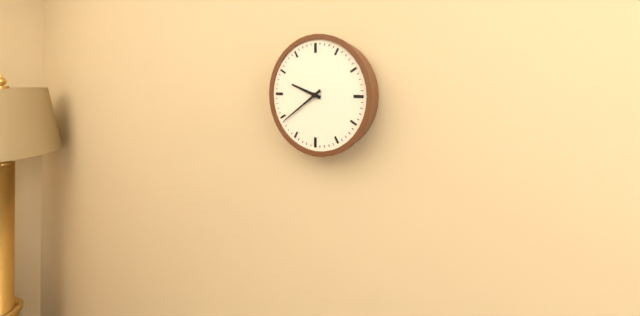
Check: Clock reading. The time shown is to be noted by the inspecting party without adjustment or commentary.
9:39
